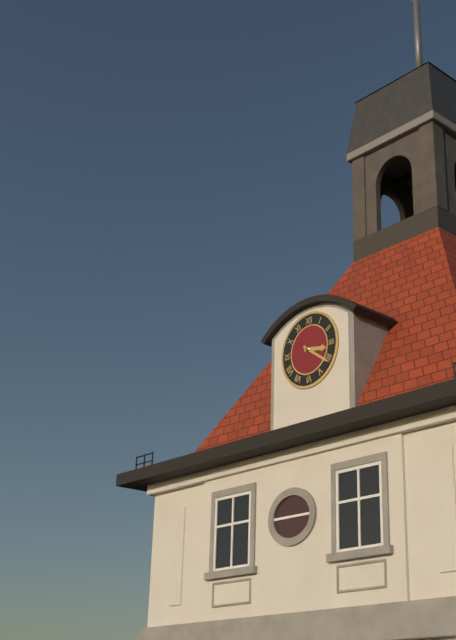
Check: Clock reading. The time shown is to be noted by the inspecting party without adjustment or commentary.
3:21
